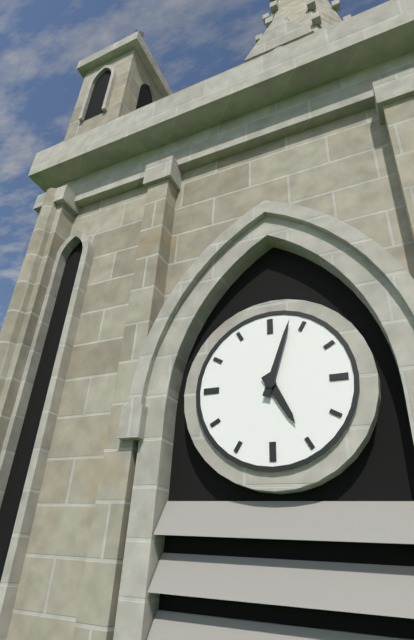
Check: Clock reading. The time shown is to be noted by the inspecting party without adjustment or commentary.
5:03
